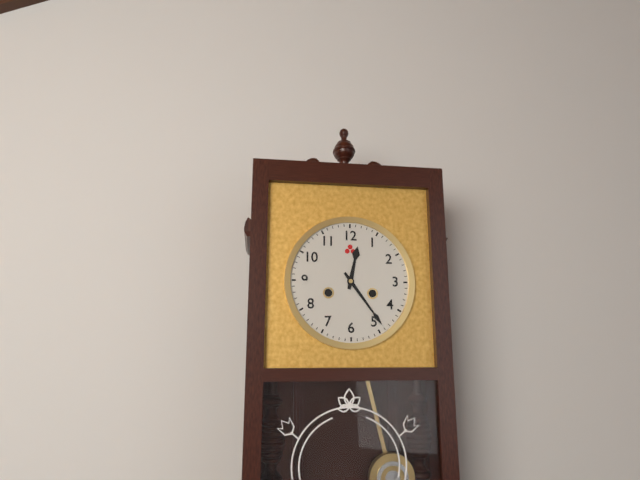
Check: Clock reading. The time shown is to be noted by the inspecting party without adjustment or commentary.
12:24
